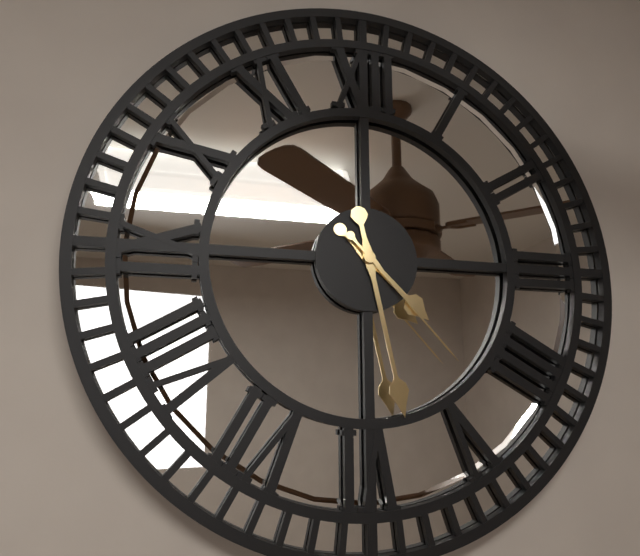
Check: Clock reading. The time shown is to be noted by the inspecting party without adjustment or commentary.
4:28:23
